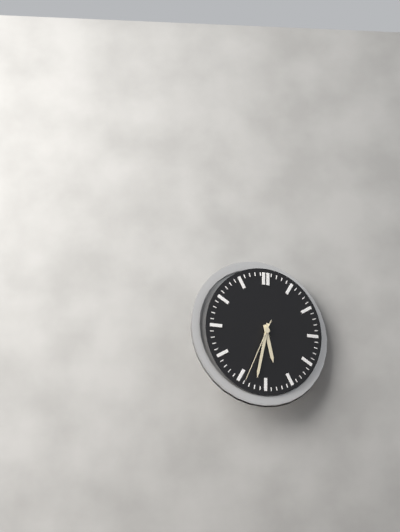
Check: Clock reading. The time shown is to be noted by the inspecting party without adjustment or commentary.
5:32:34
